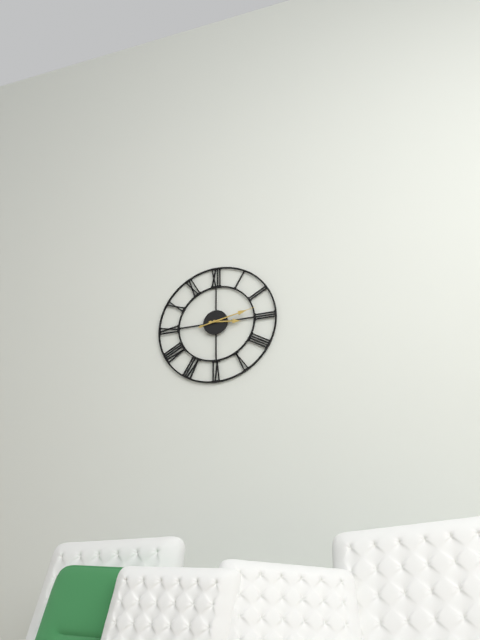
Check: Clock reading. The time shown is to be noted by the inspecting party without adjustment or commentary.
3:13
